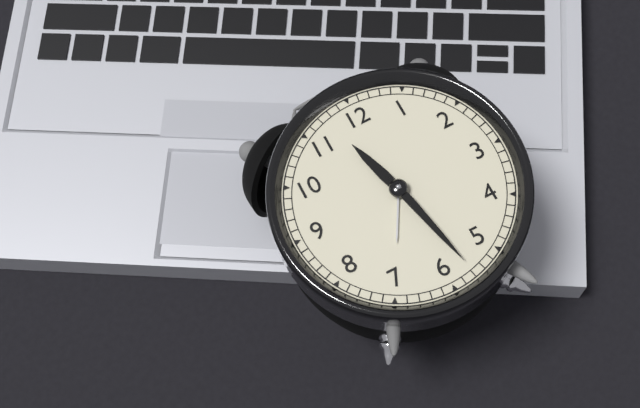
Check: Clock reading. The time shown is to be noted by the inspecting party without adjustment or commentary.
11:28
